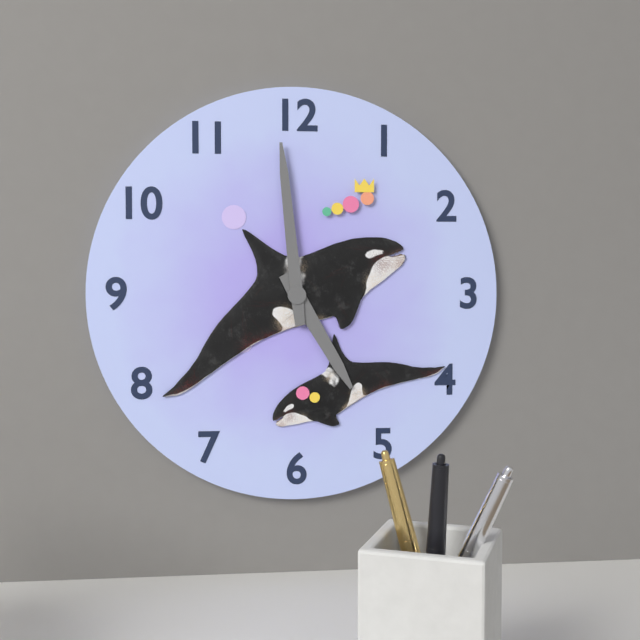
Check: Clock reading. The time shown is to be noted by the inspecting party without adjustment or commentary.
4:59
